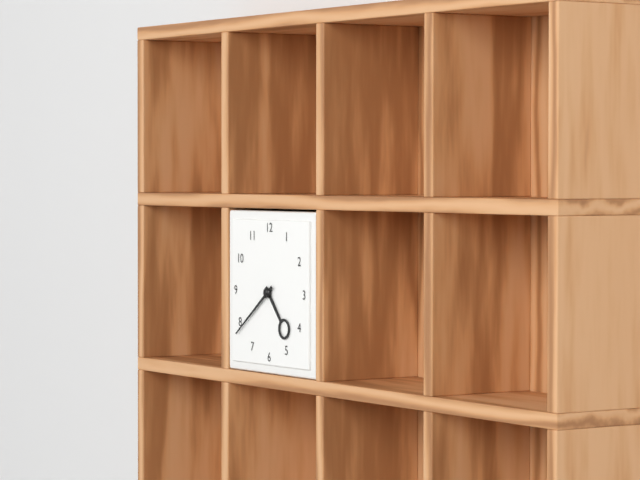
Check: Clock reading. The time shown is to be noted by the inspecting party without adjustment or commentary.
4:39
